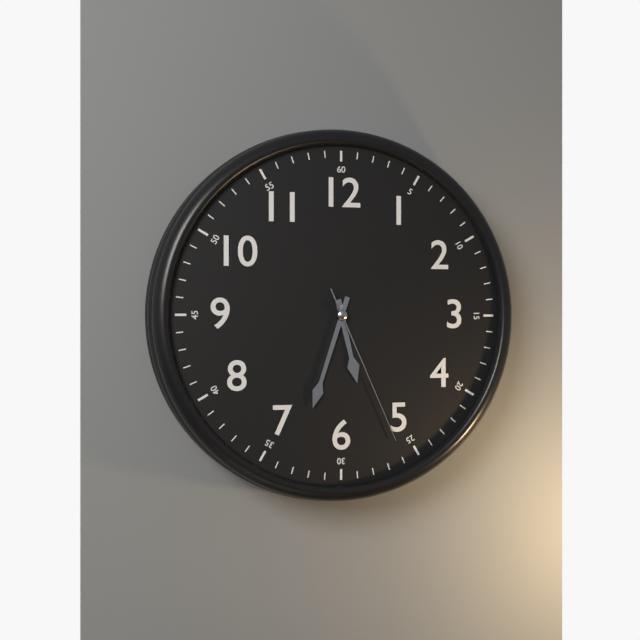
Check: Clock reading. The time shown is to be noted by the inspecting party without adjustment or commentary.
5:33:26
